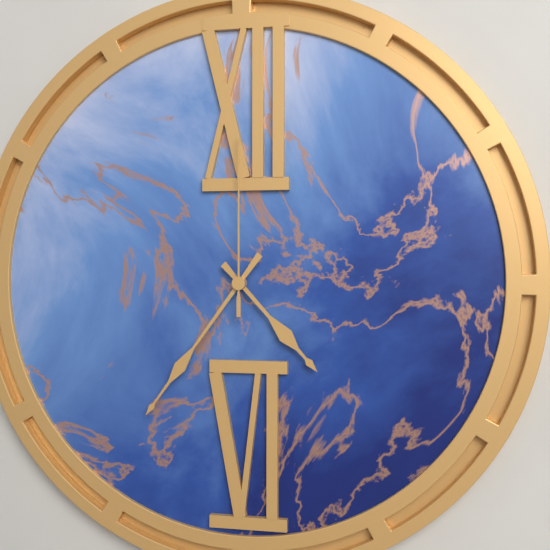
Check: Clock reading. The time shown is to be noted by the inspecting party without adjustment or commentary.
4:36:00
